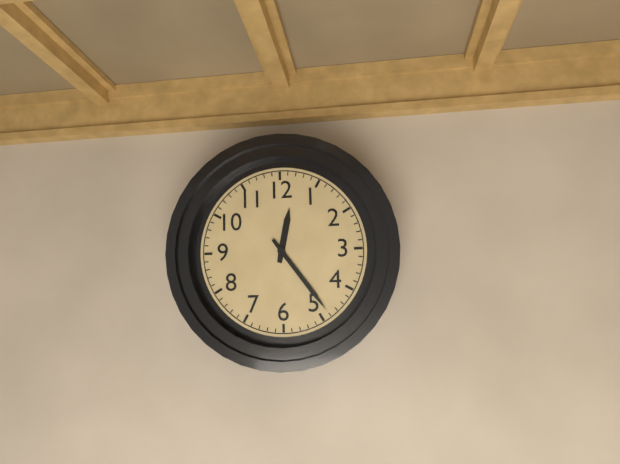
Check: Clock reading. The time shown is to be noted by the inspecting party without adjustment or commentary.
12:24
